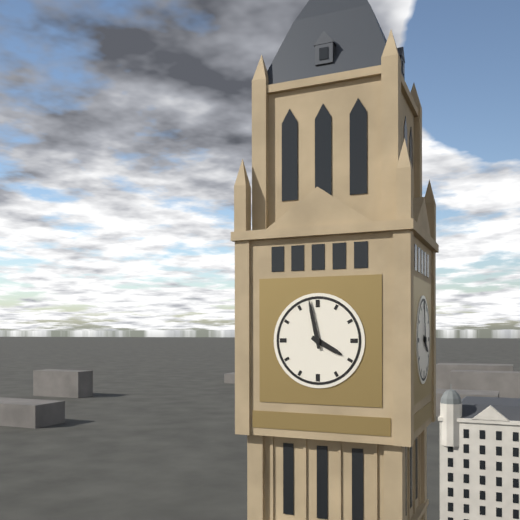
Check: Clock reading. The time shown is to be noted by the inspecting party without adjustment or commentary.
3:58
